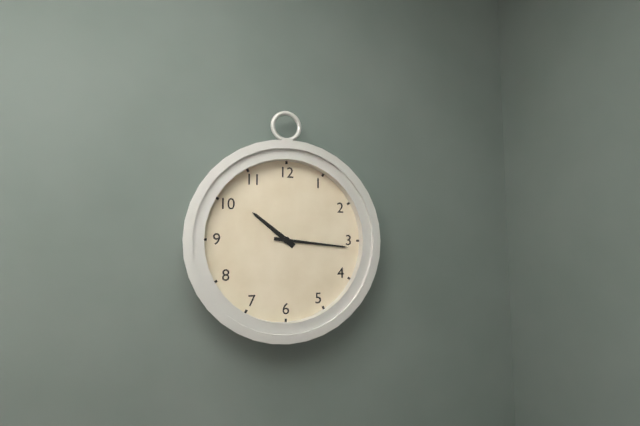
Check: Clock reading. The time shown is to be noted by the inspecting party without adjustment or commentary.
10:16
